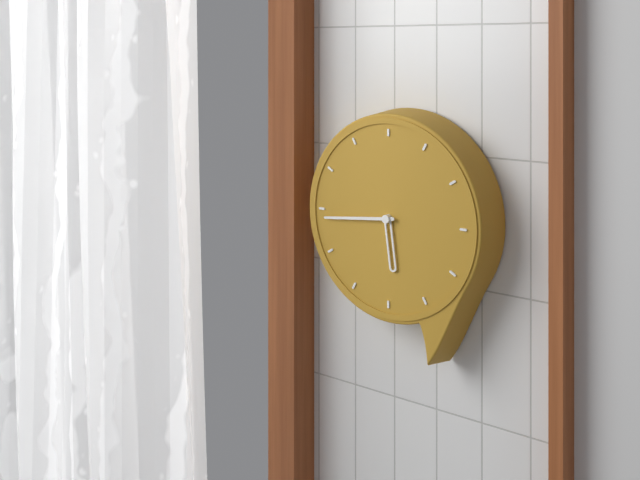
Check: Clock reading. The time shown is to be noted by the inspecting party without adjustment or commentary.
5:44
